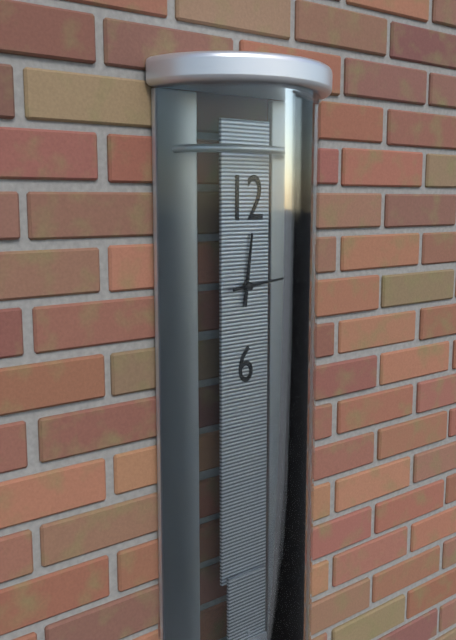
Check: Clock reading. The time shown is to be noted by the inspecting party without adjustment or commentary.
12:14
